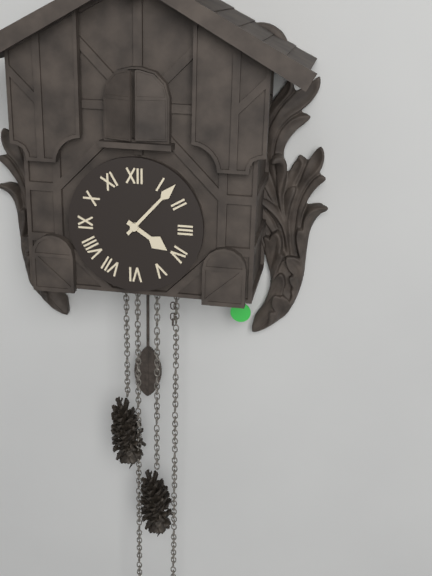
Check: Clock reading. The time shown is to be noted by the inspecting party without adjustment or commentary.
4:07
